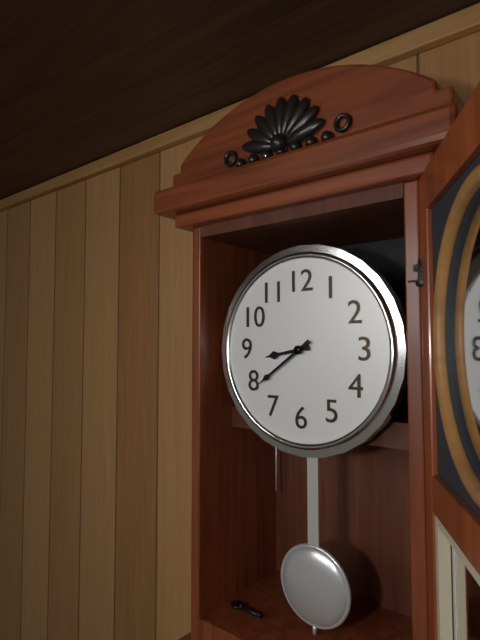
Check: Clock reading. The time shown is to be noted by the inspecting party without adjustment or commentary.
8:39
